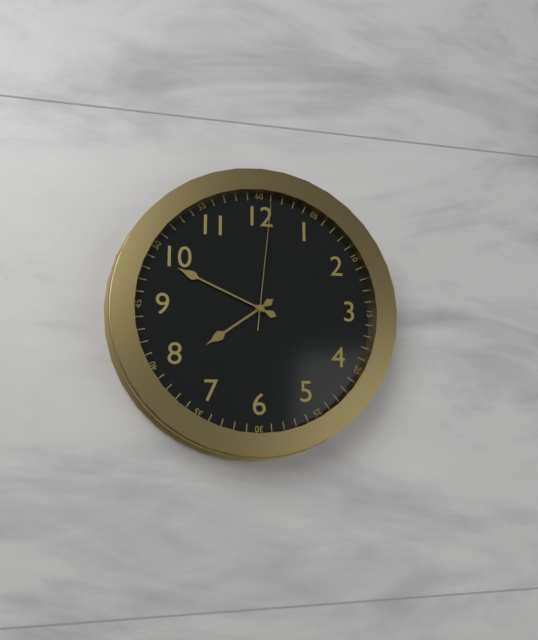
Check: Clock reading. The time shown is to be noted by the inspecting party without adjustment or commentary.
7:49:01
